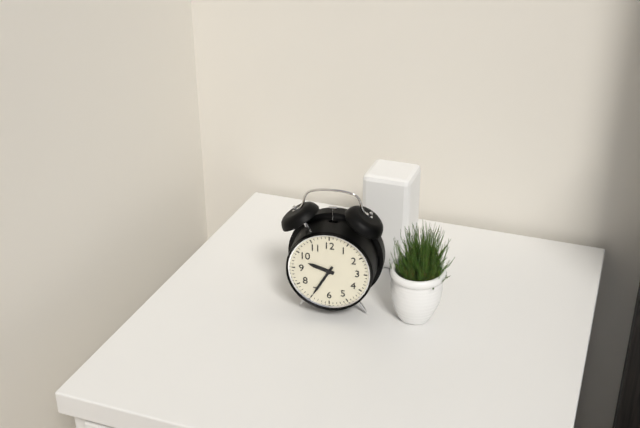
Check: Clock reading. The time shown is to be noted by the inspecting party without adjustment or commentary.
9:35
